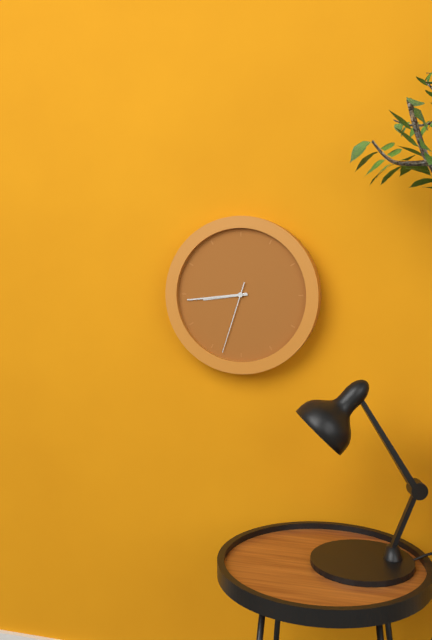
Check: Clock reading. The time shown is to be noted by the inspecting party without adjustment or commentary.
8:44:33
